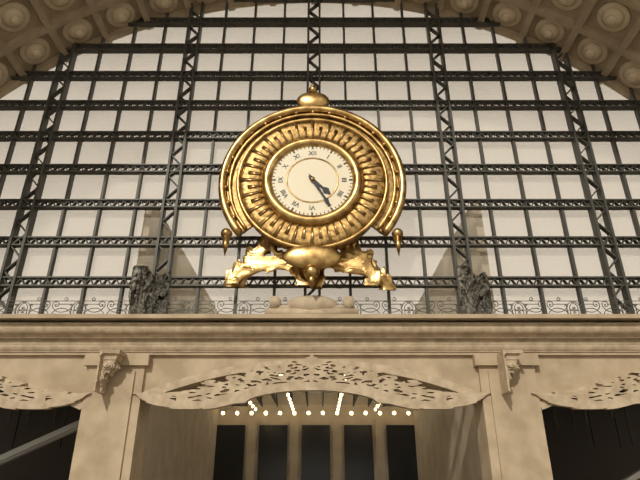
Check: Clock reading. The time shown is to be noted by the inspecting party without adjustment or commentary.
4:25
